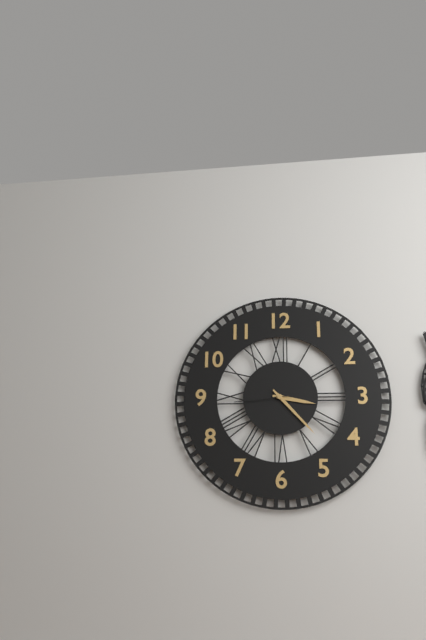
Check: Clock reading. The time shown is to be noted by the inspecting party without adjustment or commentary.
3:23:44
